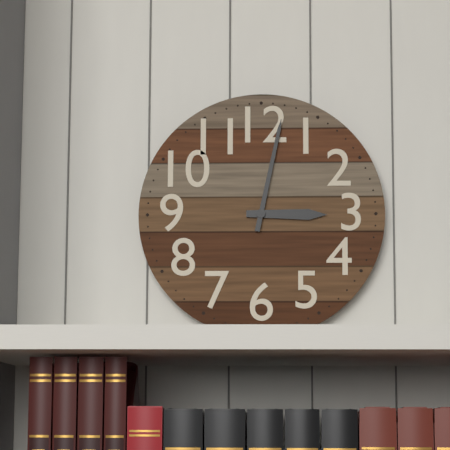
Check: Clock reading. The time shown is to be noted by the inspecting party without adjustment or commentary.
3:02
